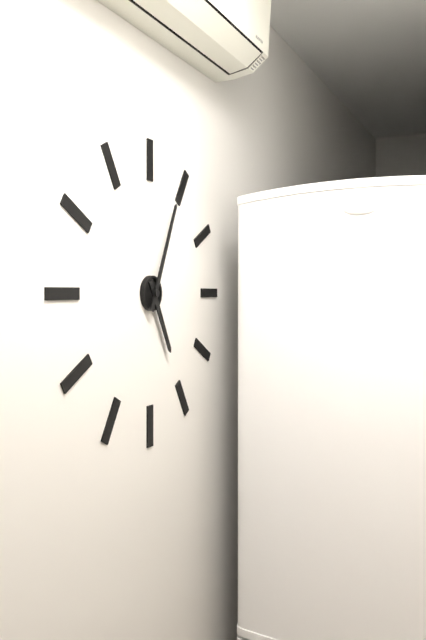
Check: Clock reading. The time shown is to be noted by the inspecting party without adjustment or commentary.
5:04
